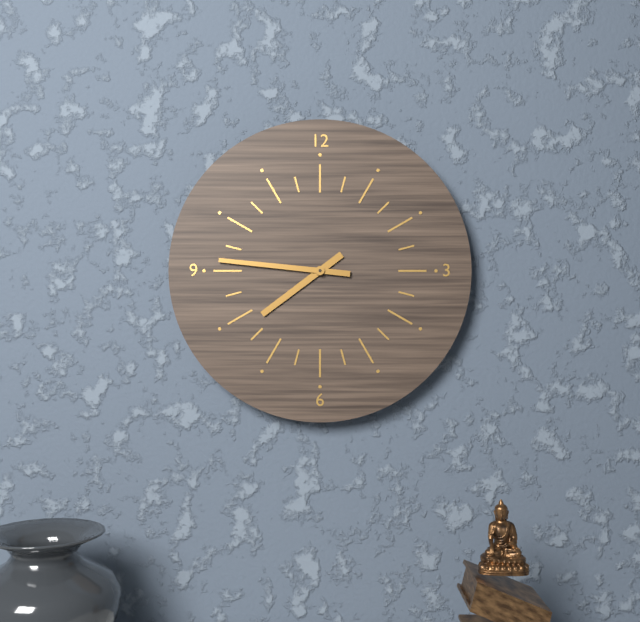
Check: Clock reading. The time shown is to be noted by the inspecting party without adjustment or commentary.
7:46
